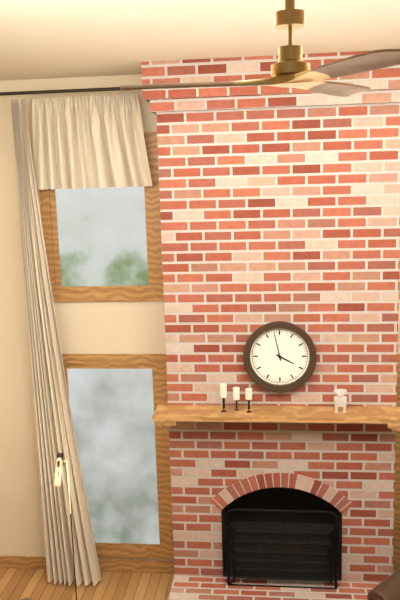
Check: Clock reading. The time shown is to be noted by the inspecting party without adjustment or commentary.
3:58
